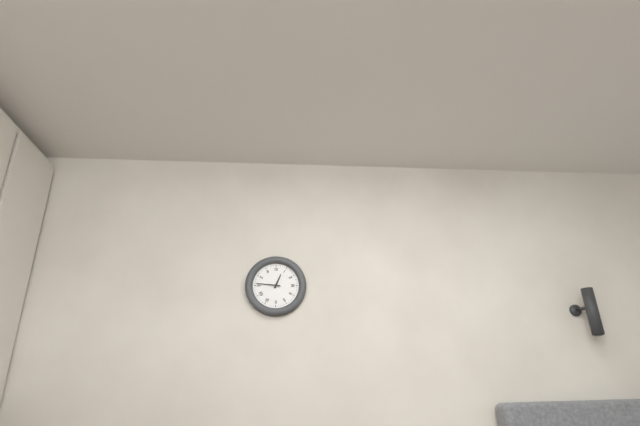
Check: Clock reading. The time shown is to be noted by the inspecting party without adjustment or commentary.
12:46
